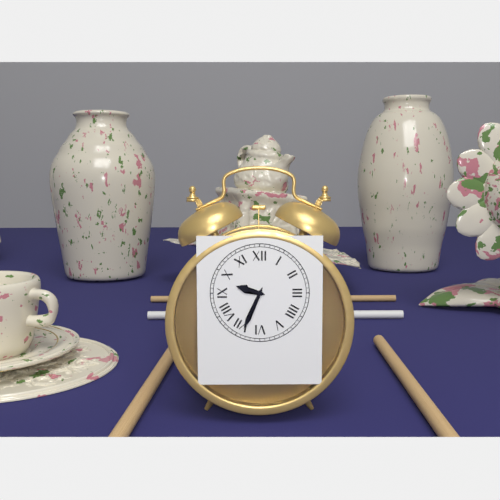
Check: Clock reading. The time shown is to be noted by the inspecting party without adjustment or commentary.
9:34
